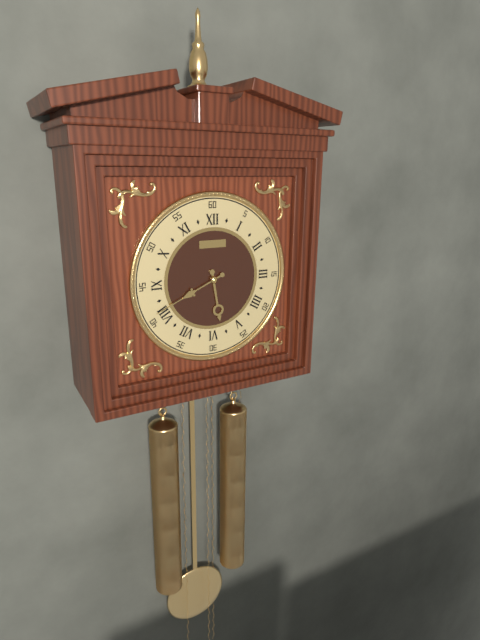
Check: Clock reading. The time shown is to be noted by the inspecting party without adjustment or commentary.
5:41
